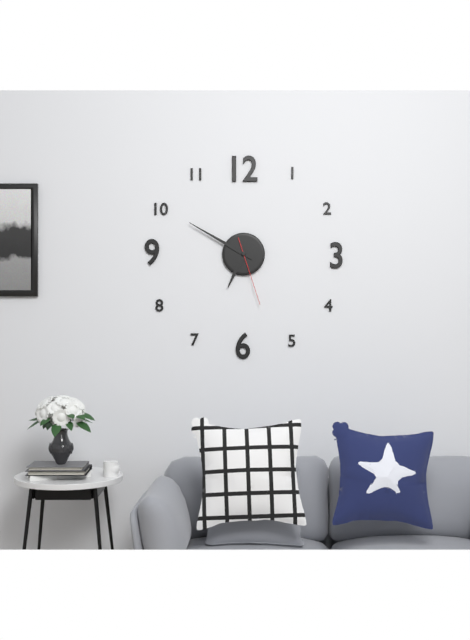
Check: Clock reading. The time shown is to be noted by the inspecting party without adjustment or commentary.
6:50:27
